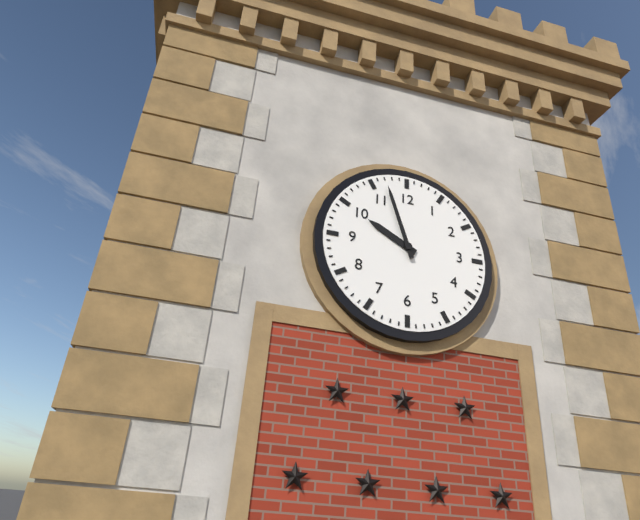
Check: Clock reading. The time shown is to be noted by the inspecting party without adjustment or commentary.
9:57
